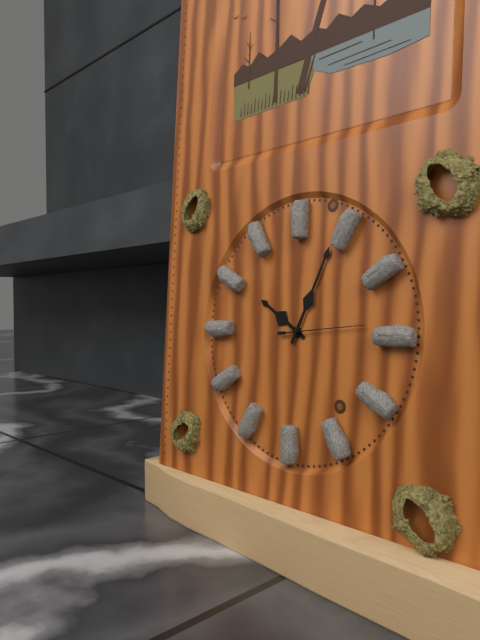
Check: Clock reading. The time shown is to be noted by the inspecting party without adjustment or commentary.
10:04:14
